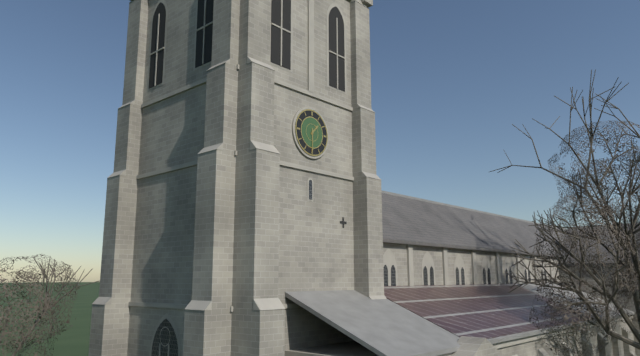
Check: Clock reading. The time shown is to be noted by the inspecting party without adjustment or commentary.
1:30
